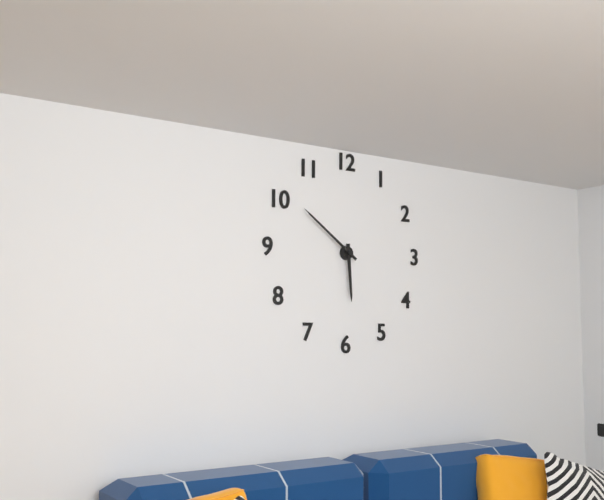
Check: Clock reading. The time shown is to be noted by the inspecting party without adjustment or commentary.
5:51
